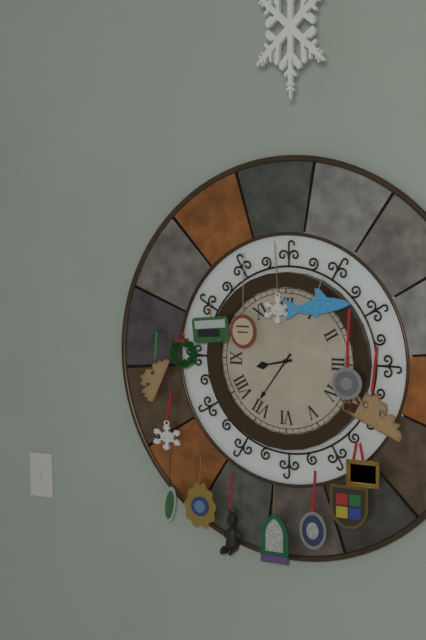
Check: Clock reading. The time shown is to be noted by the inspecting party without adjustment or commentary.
8:36
